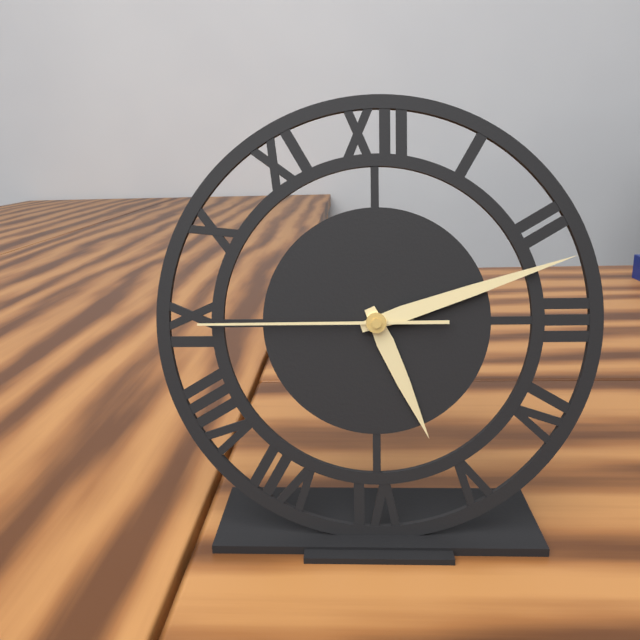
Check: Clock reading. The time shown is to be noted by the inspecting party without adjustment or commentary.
5:12:45
